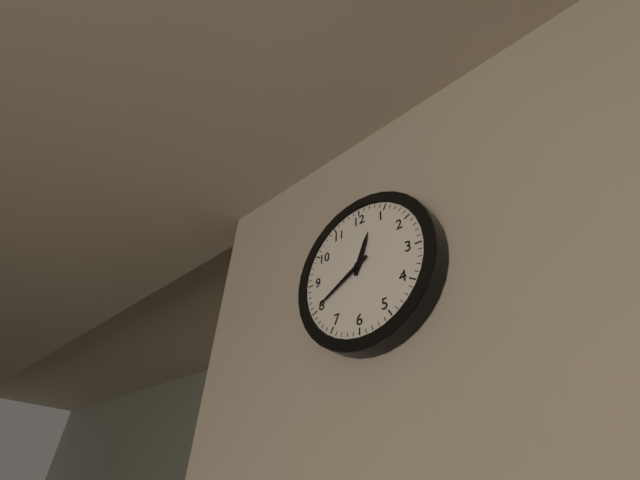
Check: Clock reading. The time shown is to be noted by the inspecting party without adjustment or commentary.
12:40
